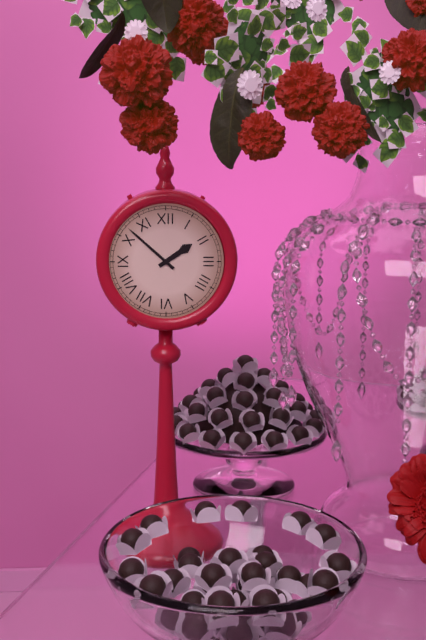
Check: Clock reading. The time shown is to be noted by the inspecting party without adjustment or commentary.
1:52
